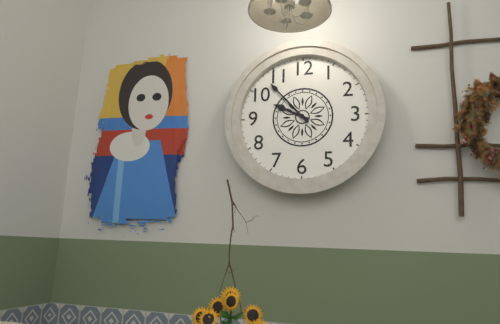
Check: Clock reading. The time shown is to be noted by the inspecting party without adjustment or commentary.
9:53
